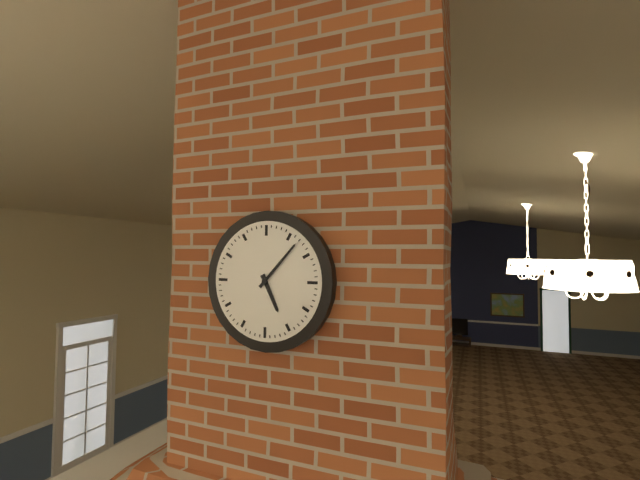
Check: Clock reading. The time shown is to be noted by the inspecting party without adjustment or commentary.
5:07
